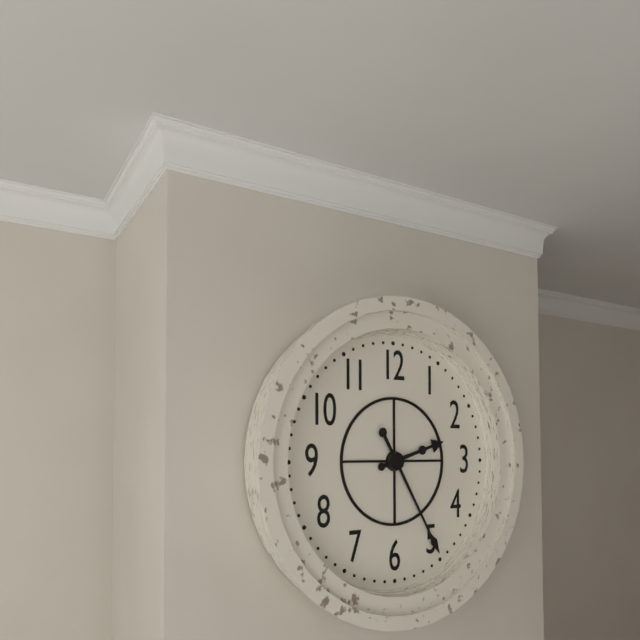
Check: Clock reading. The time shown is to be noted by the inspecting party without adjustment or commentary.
2:25
